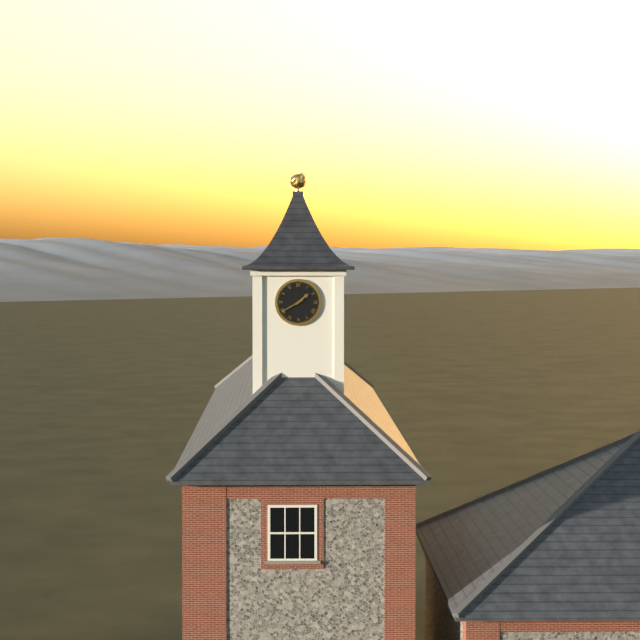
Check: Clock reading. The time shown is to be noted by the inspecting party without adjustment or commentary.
1:40
